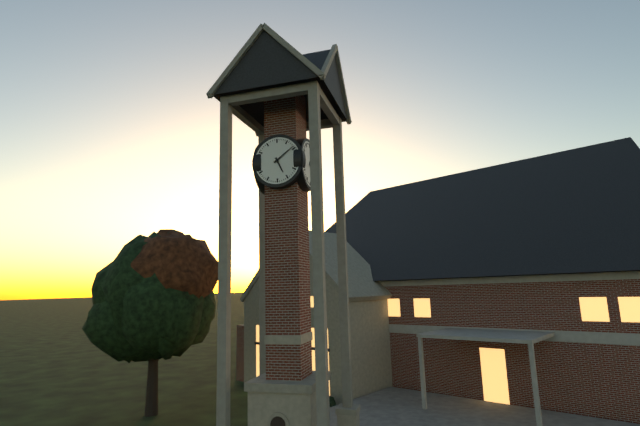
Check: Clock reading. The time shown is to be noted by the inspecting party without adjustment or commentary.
5:09
